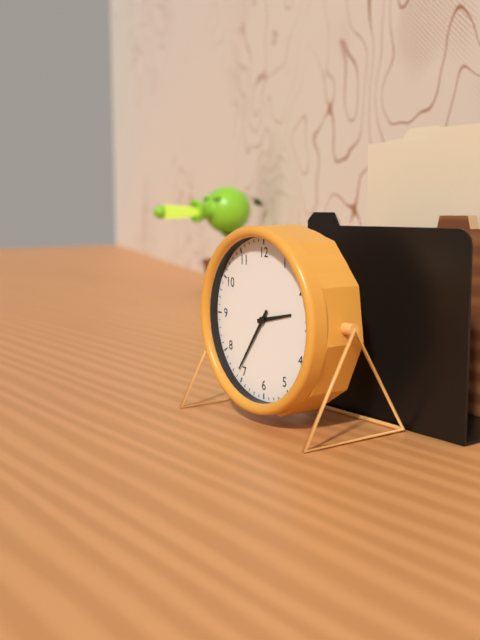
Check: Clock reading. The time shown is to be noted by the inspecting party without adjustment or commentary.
2:36
